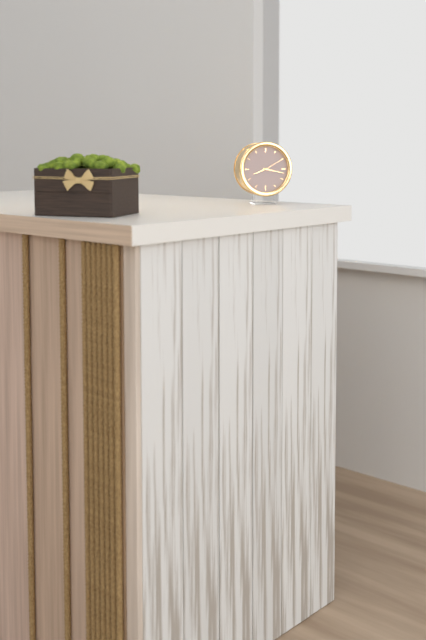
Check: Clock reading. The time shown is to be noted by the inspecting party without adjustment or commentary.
8:17
